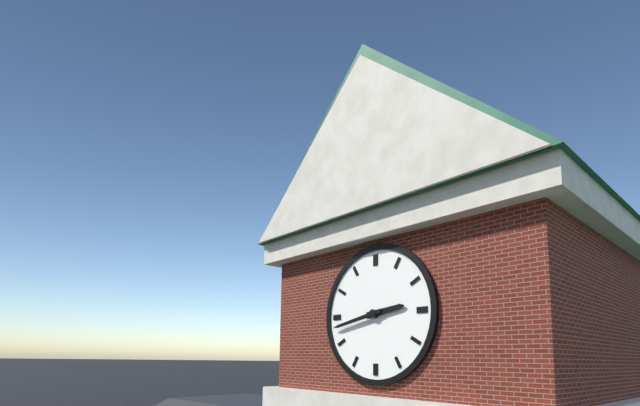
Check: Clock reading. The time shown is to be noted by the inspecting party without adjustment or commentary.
2:43
